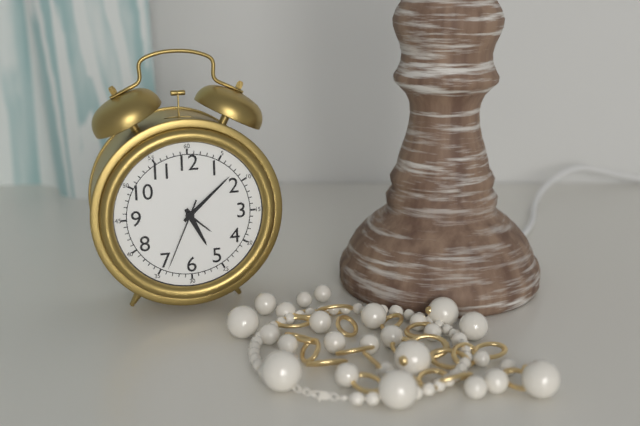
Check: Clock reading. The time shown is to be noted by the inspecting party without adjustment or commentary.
5:08:34
